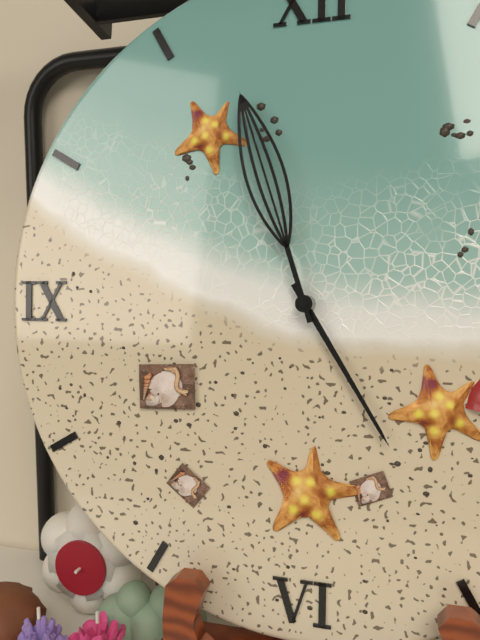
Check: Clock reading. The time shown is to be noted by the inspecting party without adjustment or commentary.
4:57
